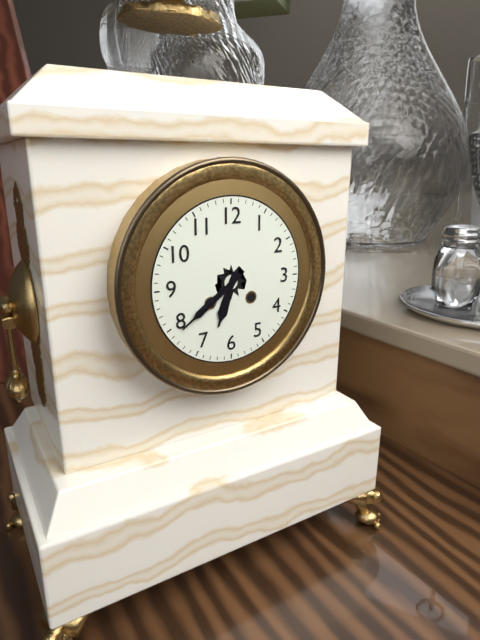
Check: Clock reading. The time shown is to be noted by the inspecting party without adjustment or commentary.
6:39
